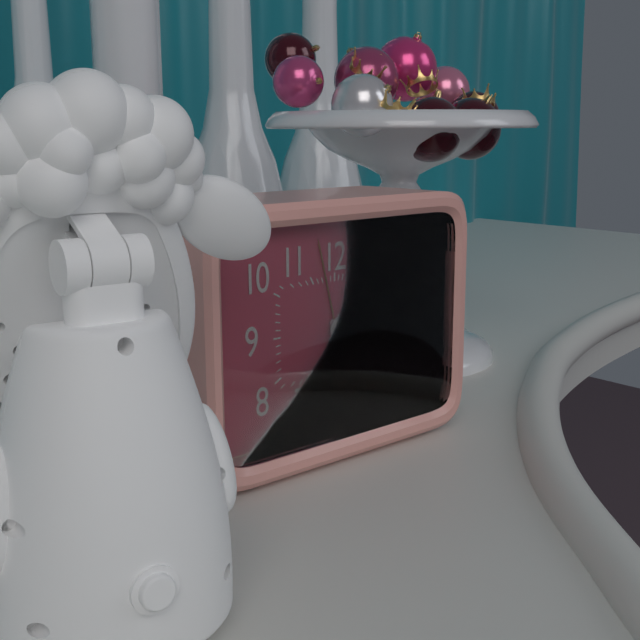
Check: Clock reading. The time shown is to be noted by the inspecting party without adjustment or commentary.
4:33
